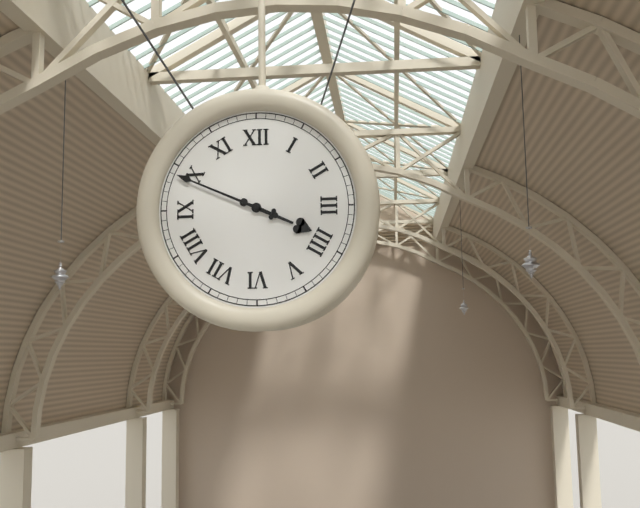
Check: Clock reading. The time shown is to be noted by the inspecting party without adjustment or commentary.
3:49
